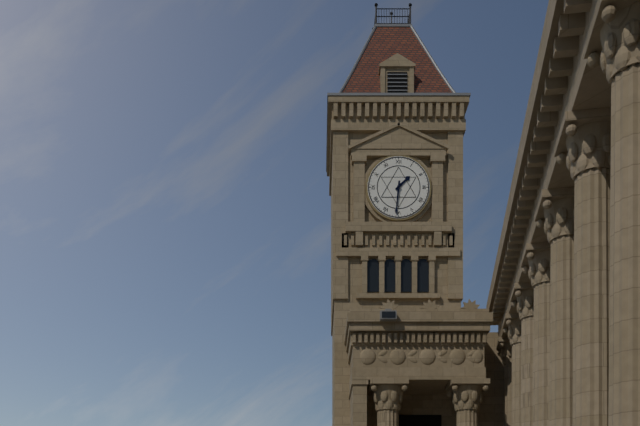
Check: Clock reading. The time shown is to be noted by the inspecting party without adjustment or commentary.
1:31
